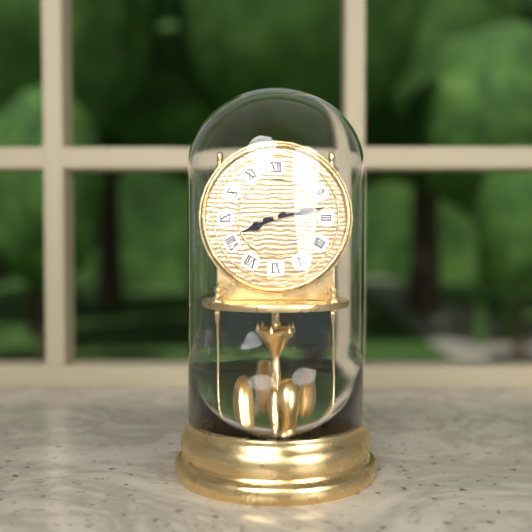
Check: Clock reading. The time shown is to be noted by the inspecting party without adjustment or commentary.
8:13
